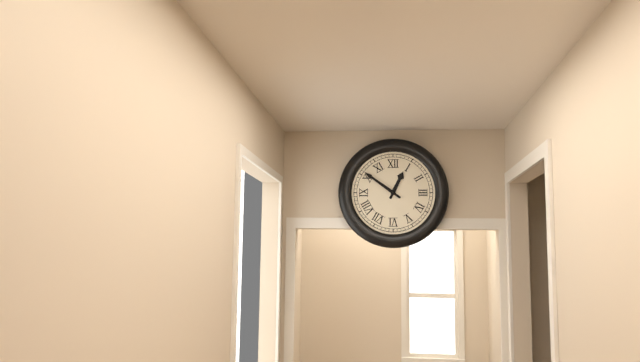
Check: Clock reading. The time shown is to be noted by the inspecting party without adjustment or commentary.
12:51
